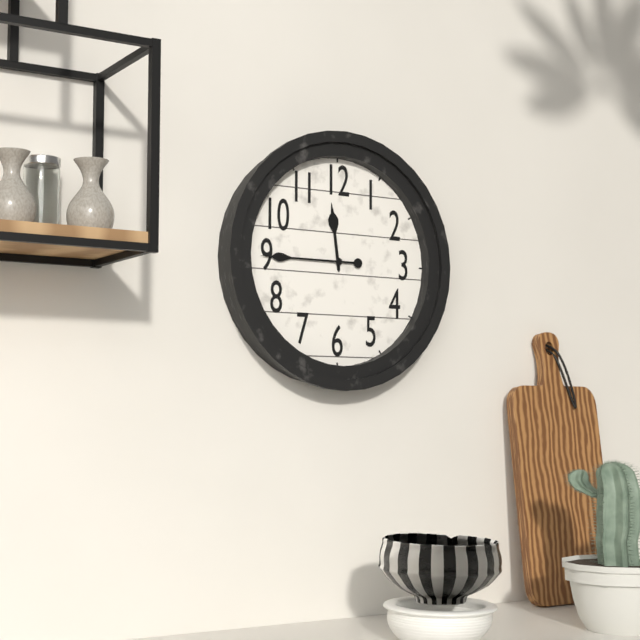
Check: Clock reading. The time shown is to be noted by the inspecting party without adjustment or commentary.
11:45
